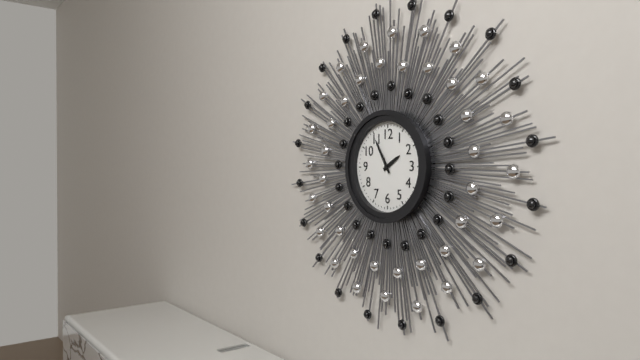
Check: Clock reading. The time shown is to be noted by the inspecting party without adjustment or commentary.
1:55
